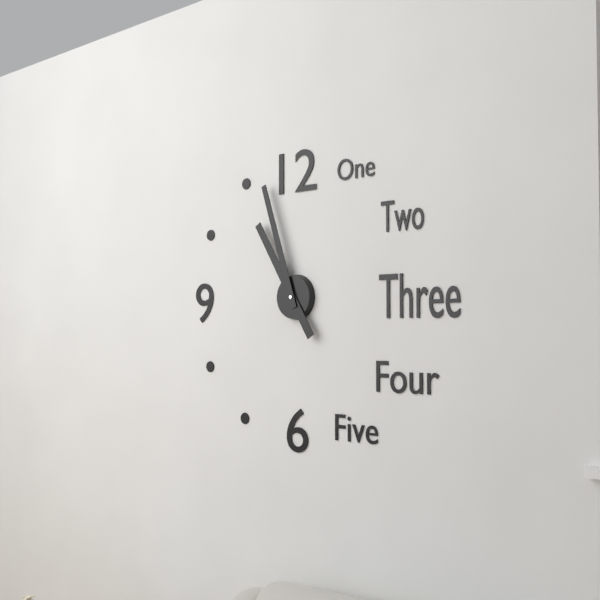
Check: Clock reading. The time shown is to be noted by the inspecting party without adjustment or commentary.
10:57
